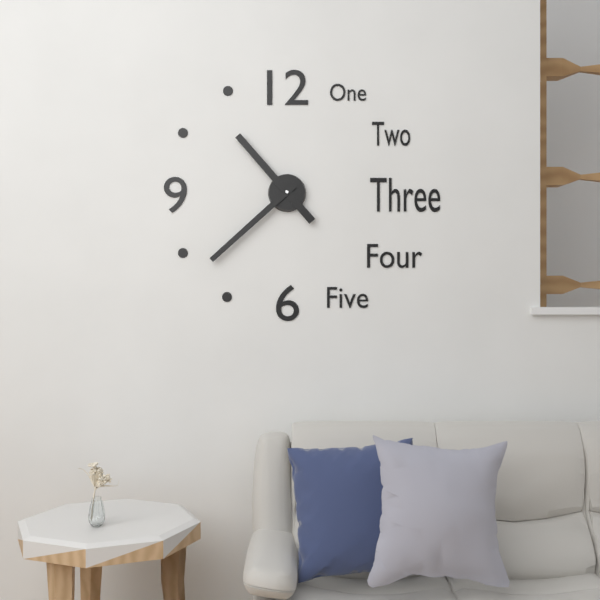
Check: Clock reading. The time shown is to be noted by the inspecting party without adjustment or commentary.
10:38
